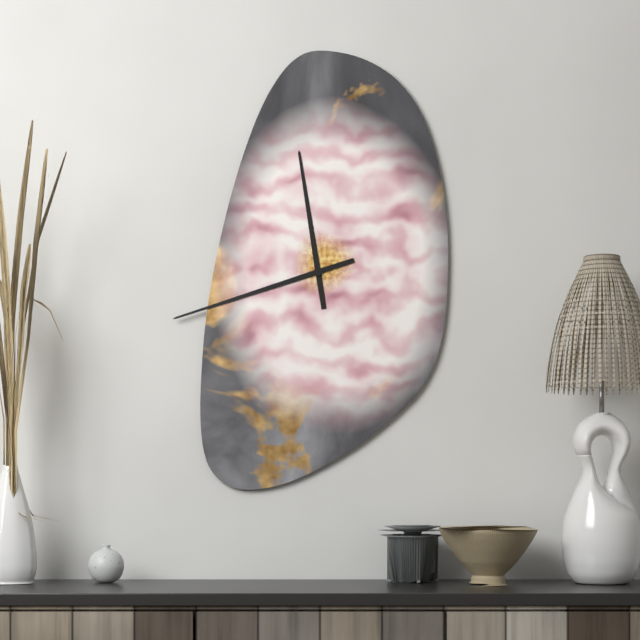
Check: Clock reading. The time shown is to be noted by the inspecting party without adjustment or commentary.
11:42
